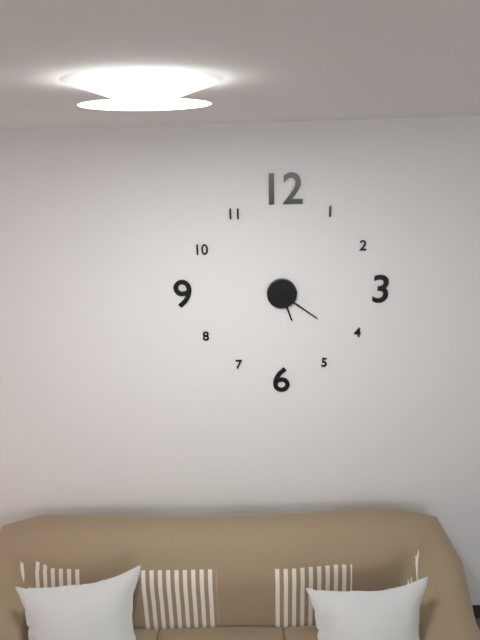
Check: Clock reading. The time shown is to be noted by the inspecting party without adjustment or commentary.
5:21
